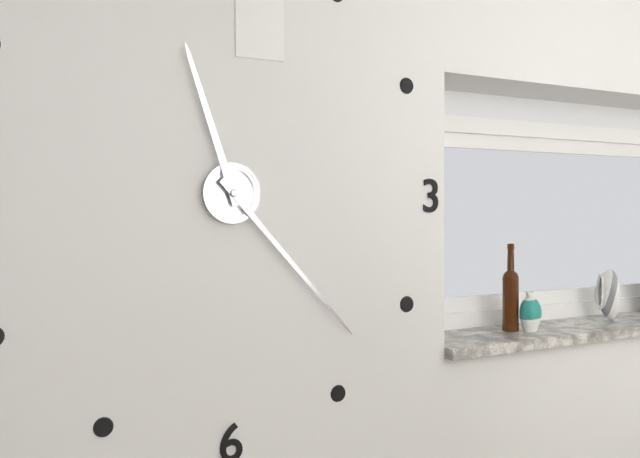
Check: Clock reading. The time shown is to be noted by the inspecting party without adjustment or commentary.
11:23
